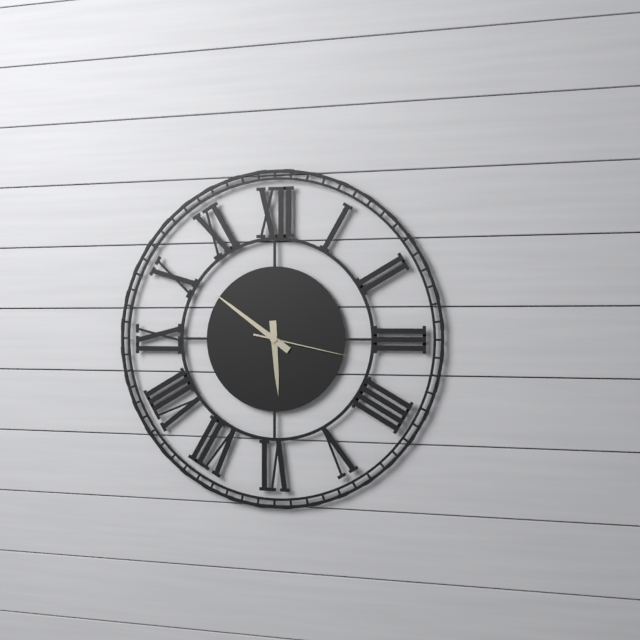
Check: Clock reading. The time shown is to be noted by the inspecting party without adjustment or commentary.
5:51:17
